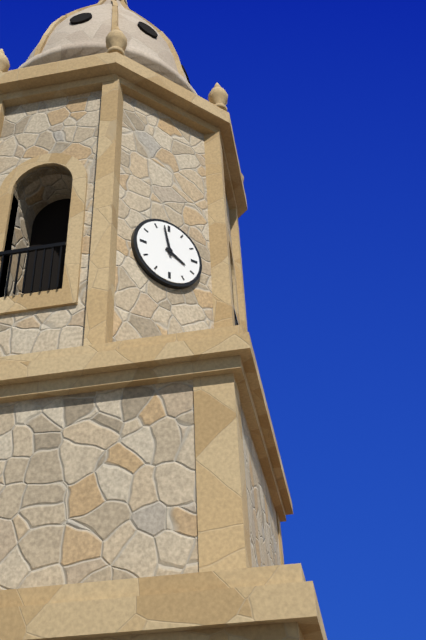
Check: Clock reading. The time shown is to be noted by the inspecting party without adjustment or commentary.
3:58
